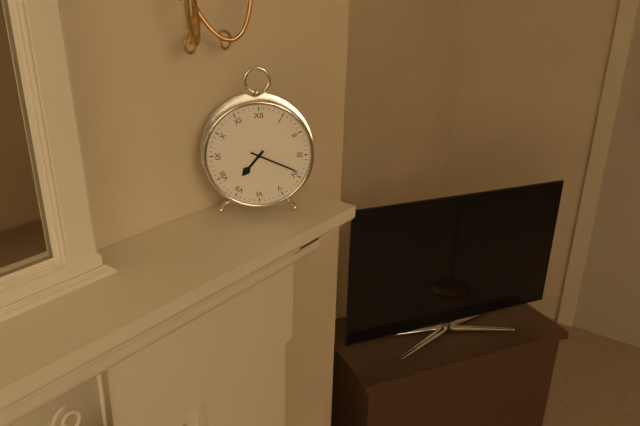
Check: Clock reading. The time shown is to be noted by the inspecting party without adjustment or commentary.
7:19
